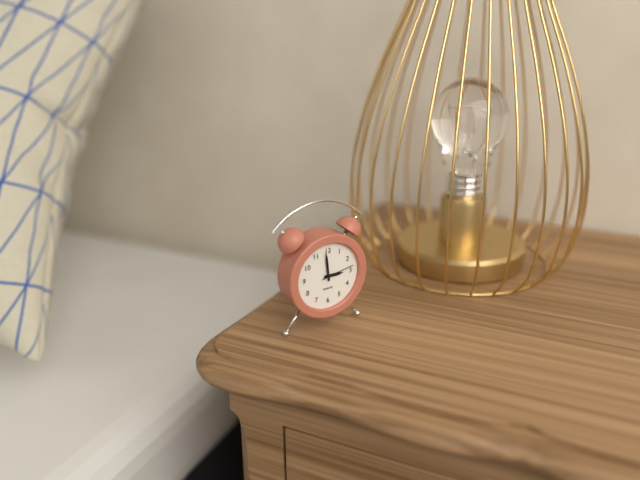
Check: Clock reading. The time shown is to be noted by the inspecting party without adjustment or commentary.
2:59
